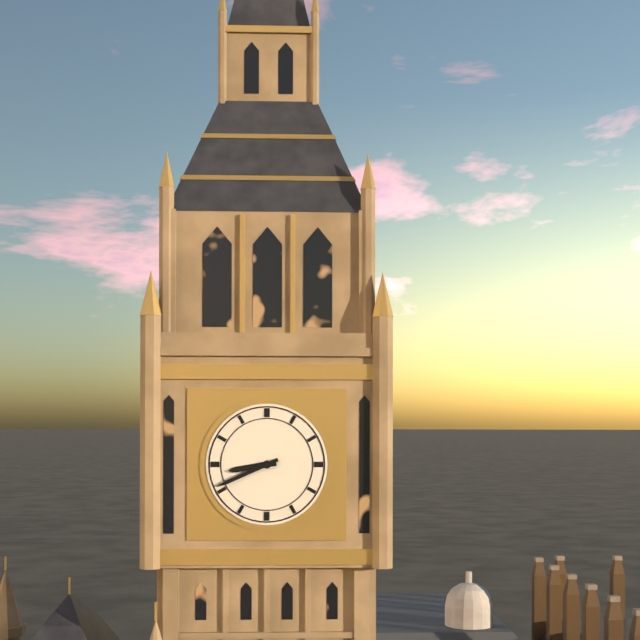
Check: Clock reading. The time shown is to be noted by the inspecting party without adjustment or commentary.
8:41
